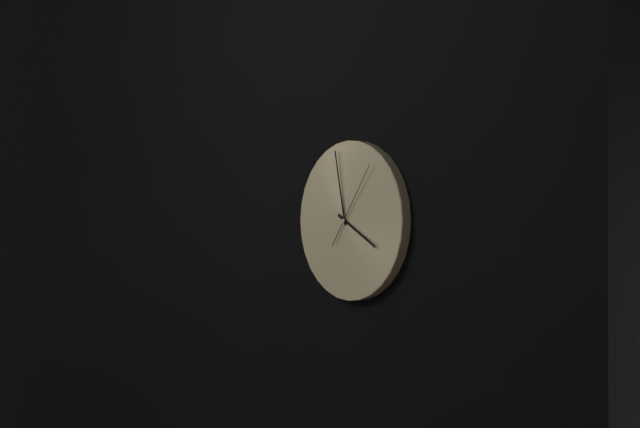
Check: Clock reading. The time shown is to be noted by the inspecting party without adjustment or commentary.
3:58:06
